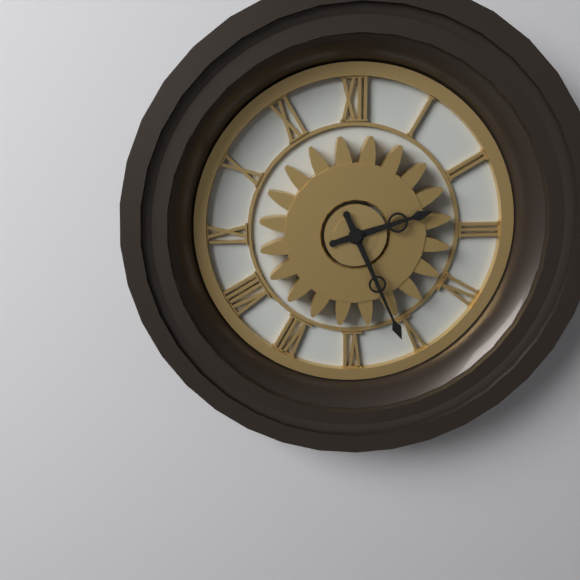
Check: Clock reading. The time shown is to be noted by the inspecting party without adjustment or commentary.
2:26
